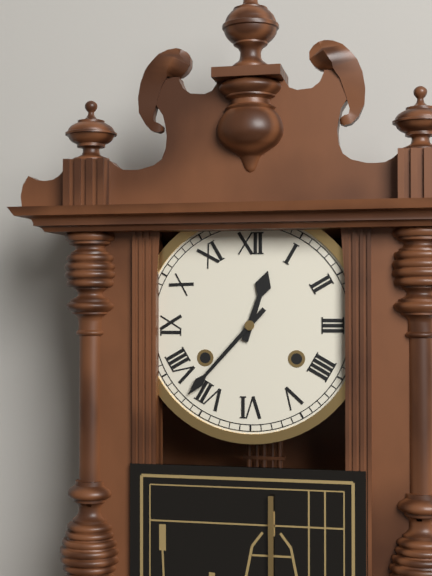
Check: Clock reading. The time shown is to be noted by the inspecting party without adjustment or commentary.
12:37
